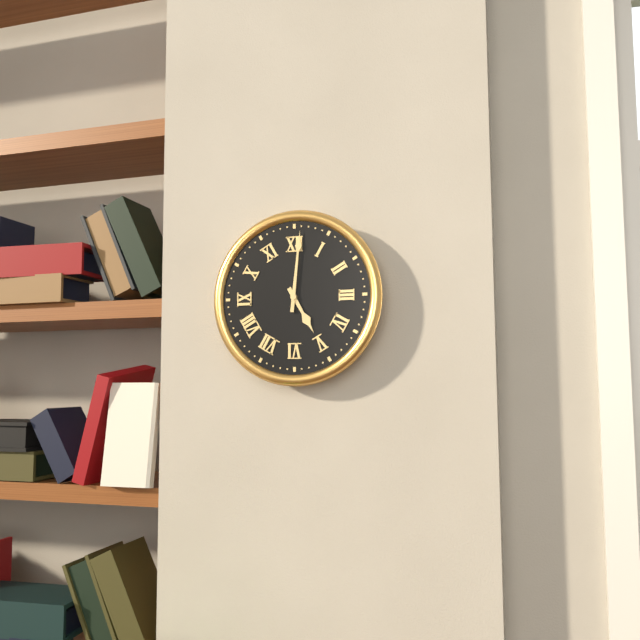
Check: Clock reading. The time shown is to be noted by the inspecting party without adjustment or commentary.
5:01
